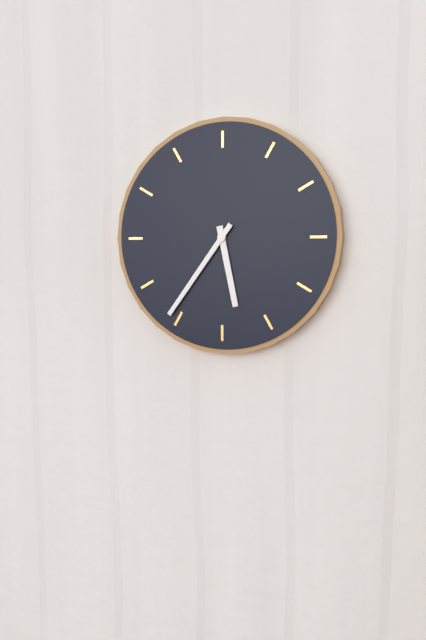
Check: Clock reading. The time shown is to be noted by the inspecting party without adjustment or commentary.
5:36
